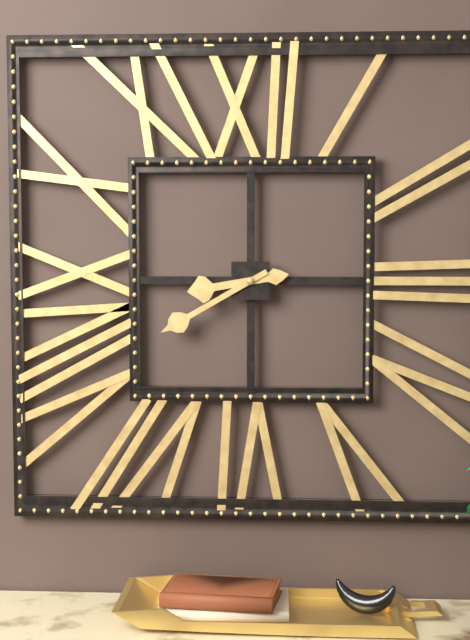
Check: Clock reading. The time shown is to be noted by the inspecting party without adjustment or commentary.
8:40
